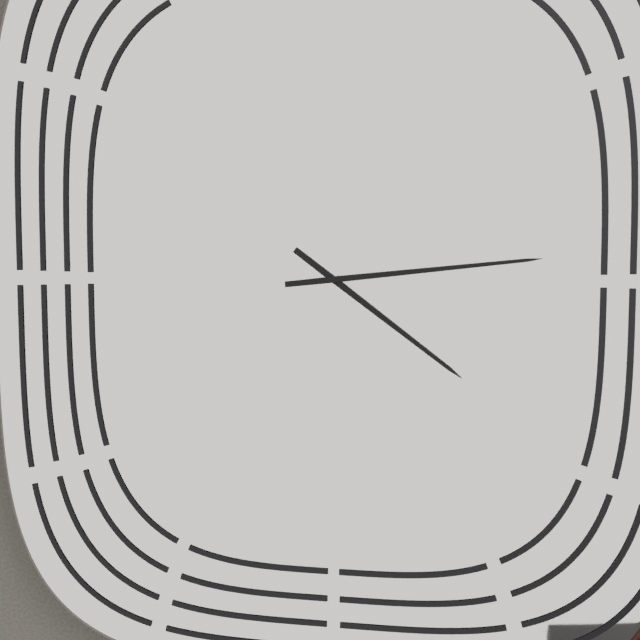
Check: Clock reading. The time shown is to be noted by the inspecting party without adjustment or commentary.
4:14
